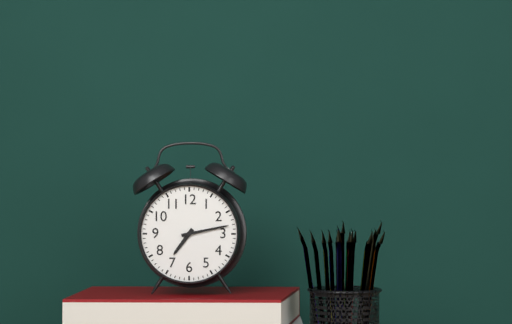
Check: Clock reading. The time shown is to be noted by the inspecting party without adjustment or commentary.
7:13
